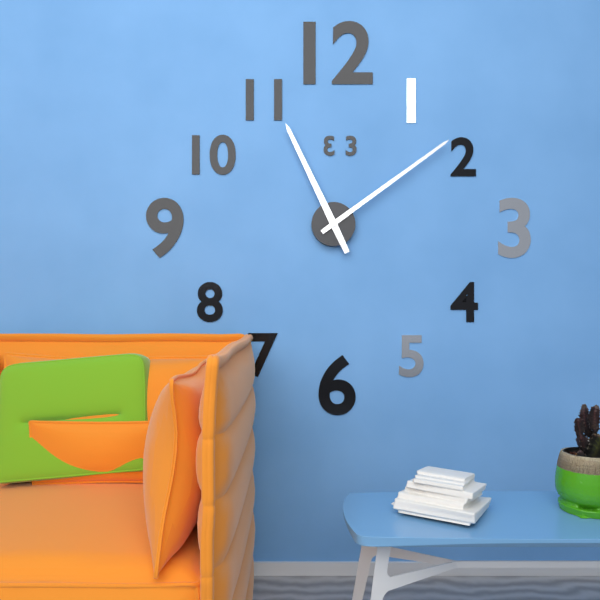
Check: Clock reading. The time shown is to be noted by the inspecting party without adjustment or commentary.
11:09
